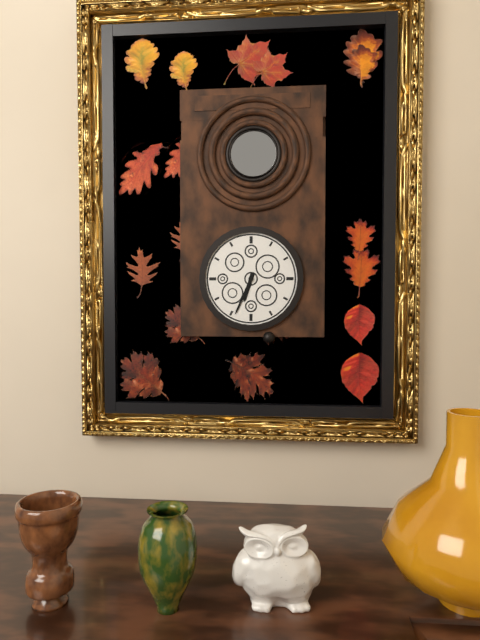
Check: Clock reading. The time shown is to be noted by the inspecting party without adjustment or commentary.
6:34
